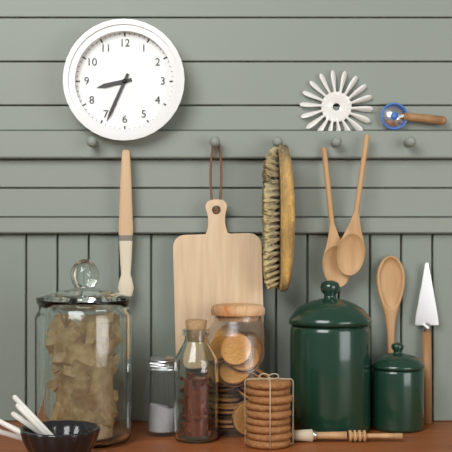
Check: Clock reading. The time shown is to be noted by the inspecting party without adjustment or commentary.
8:34
